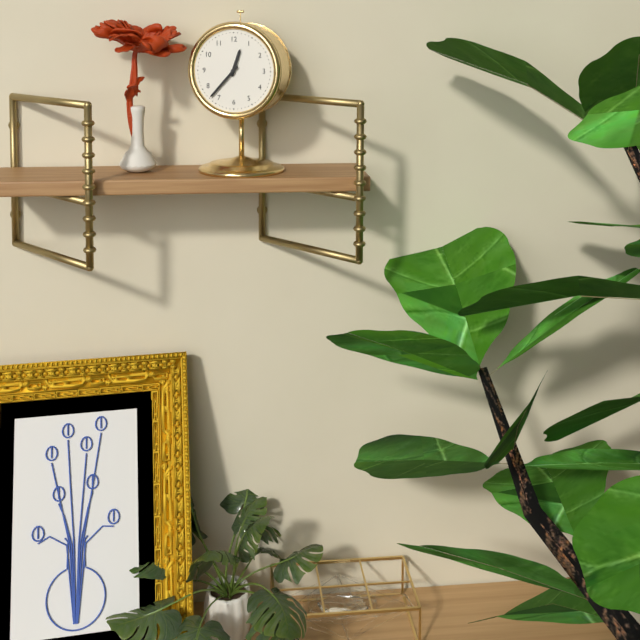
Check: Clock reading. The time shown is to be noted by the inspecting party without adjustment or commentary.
12:37
